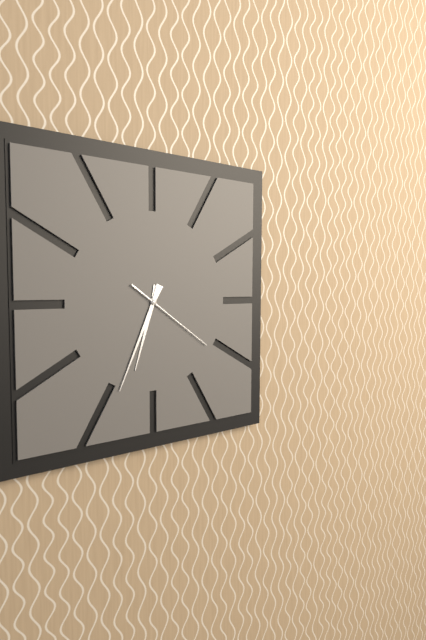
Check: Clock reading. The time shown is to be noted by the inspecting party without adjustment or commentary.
6:34:21
